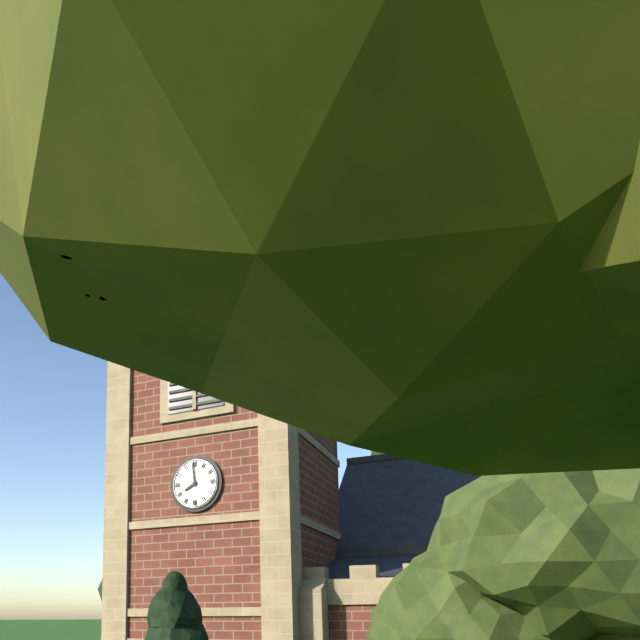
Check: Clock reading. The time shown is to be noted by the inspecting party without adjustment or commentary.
7:59
